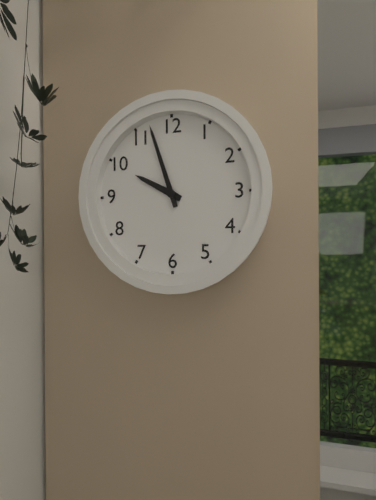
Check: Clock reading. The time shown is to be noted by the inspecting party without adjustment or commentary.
9:57
